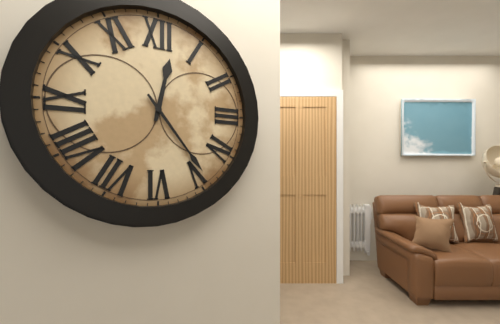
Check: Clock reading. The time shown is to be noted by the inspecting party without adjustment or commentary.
12:24
